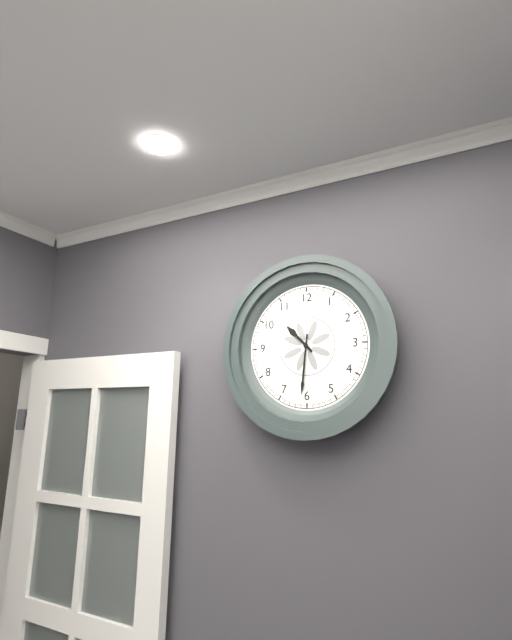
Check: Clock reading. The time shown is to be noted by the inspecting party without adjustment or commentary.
10:31
